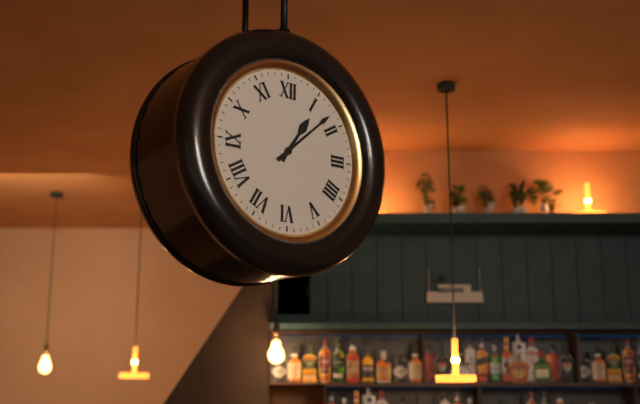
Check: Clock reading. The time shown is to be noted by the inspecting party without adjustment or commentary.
1:08
